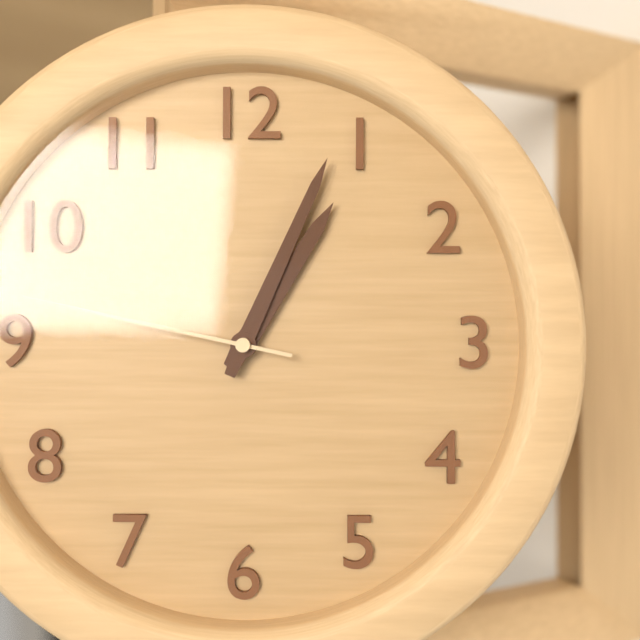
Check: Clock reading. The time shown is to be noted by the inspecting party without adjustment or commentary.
1:04:47
